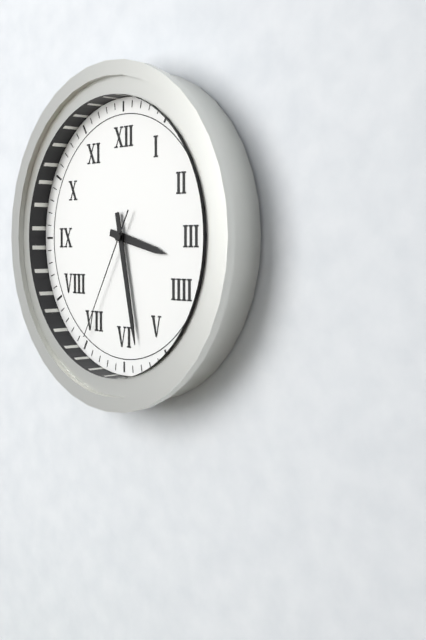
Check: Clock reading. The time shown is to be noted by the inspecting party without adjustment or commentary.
3:28:35
